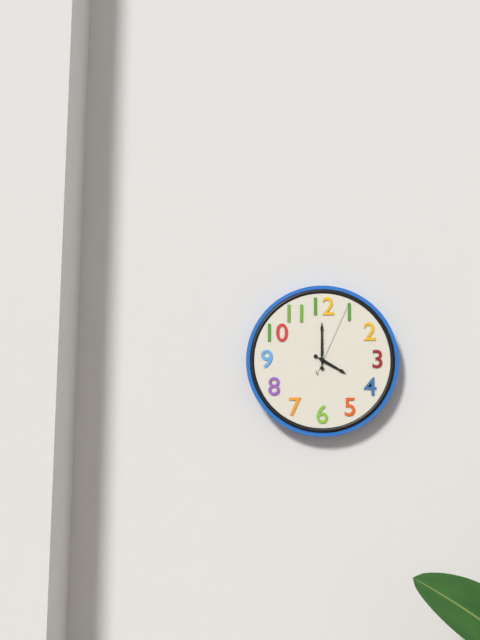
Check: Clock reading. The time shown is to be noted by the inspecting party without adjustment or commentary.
4:00:04
